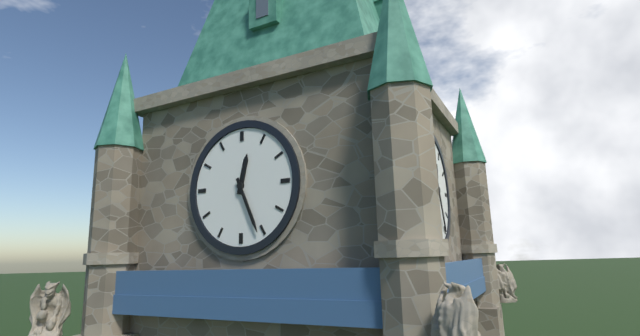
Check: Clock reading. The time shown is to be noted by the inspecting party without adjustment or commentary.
12:26
